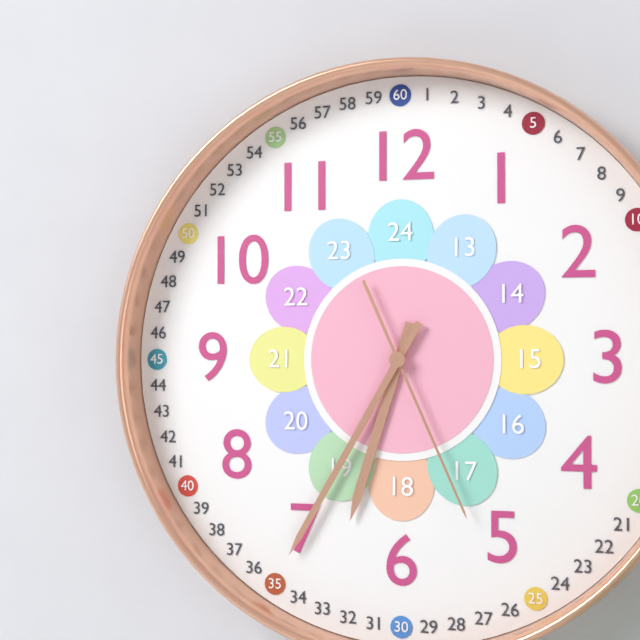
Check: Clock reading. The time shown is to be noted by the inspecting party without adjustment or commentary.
6:35:26
